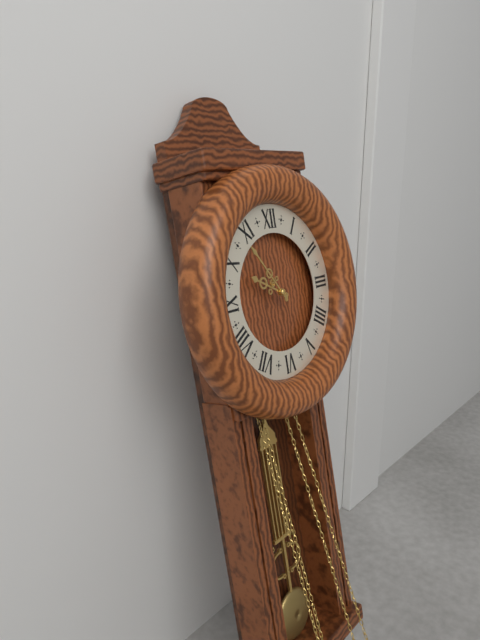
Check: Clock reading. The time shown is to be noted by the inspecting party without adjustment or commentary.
9:54
